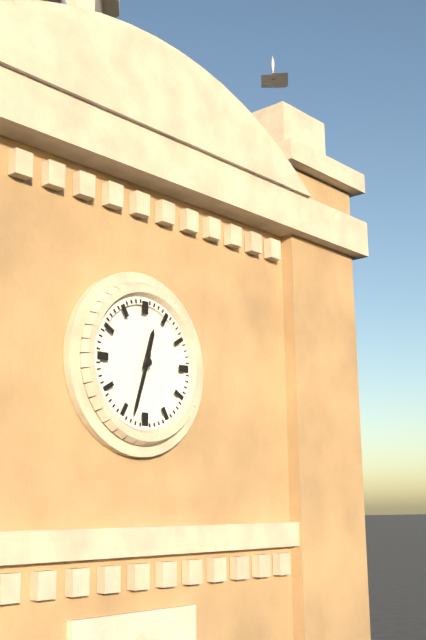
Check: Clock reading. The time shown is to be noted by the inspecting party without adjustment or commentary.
12:33
